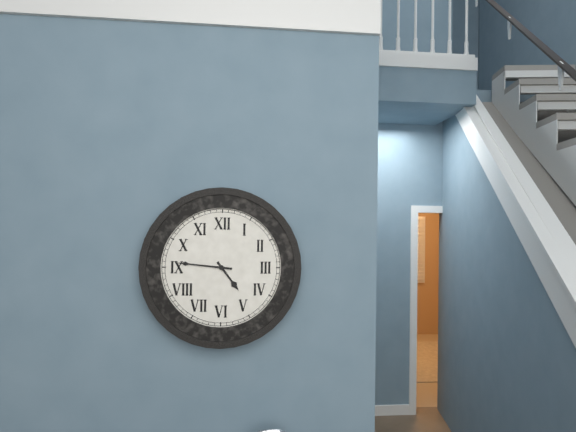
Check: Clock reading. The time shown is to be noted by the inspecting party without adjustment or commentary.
4:46
